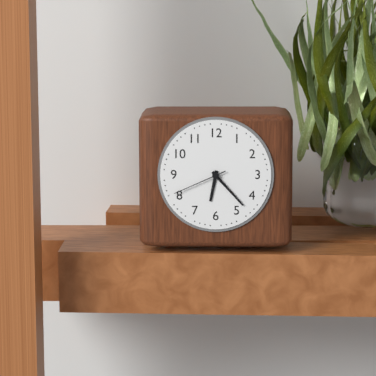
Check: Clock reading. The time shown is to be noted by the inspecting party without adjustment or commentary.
6:23:41
